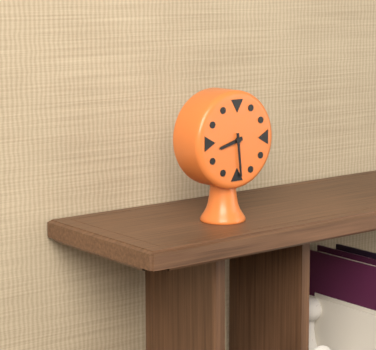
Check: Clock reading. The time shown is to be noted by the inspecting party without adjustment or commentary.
8:29
